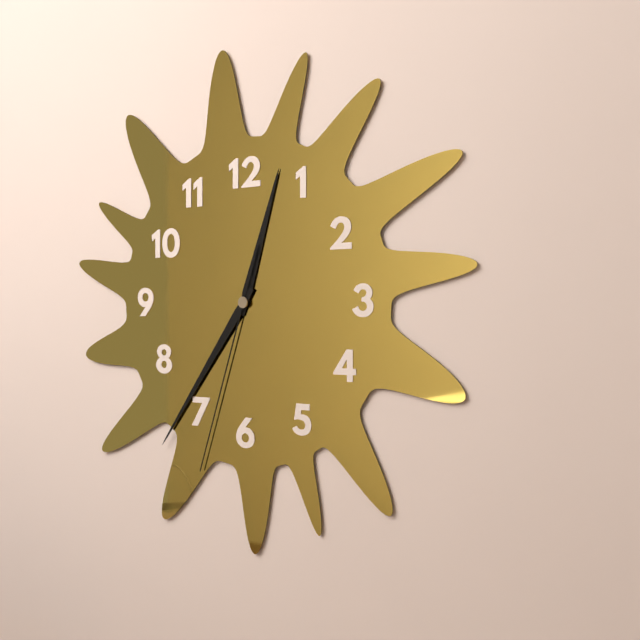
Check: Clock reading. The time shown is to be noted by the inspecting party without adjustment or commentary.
12:36:33
